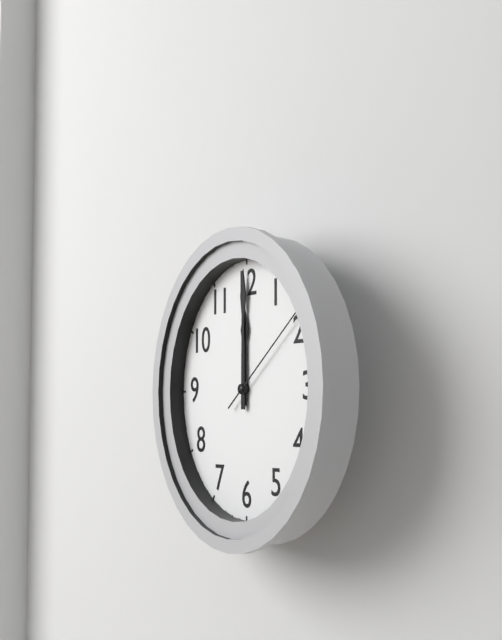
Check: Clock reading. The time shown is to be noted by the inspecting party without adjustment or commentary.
12:00:09
